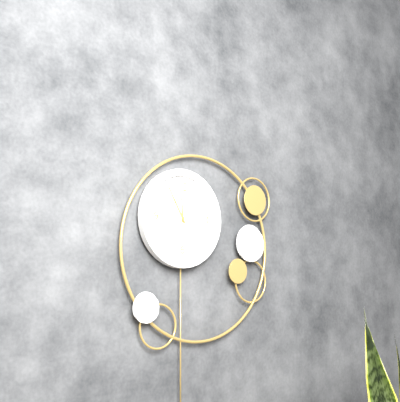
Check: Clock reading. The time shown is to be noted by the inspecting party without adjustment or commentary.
11:55
